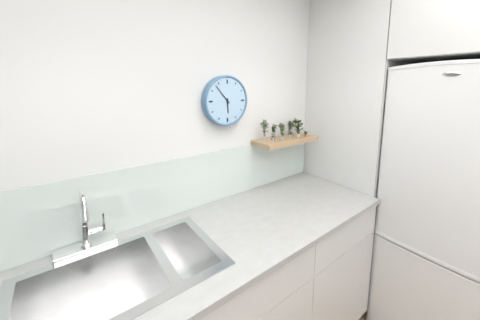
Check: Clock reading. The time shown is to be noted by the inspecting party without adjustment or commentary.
5:53
